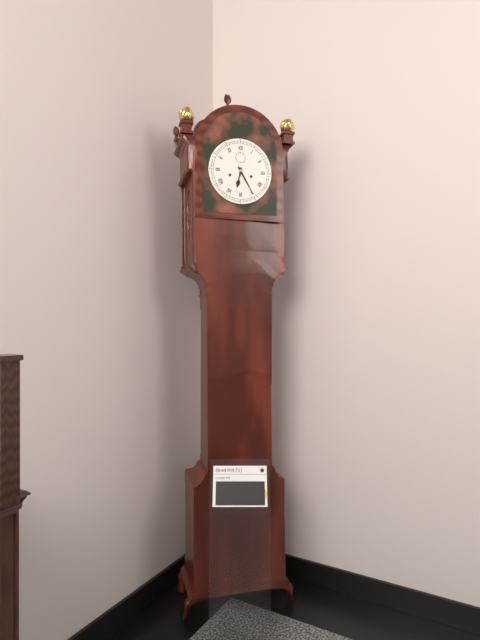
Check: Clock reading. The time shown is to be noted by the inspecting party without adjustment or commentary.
6:25
